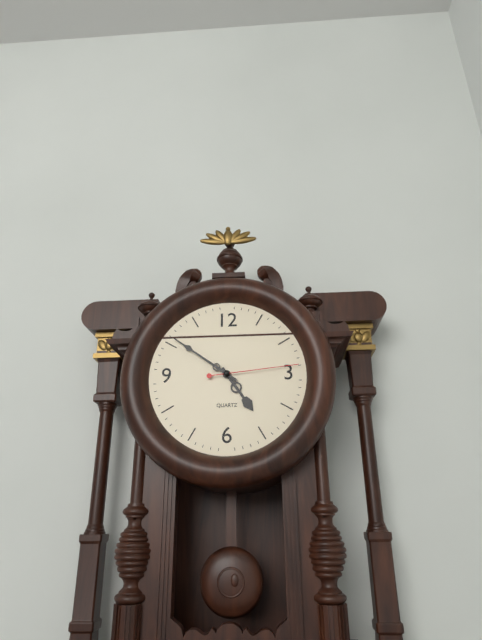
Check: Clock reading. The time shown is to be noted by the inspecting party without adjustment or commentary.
4:51:14
